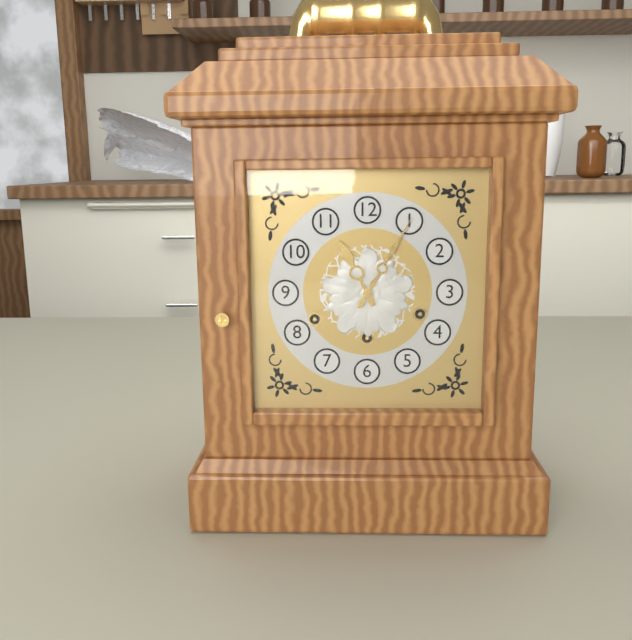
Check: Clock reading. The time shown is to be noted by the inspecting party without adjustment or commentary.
11:05
